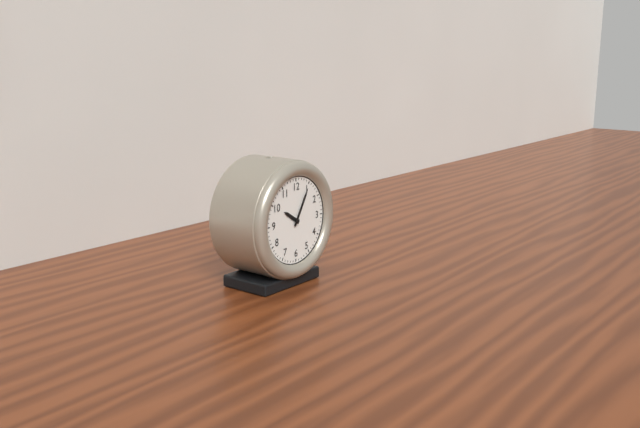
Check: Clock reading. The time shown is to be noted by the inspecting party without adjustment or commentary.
10:05
